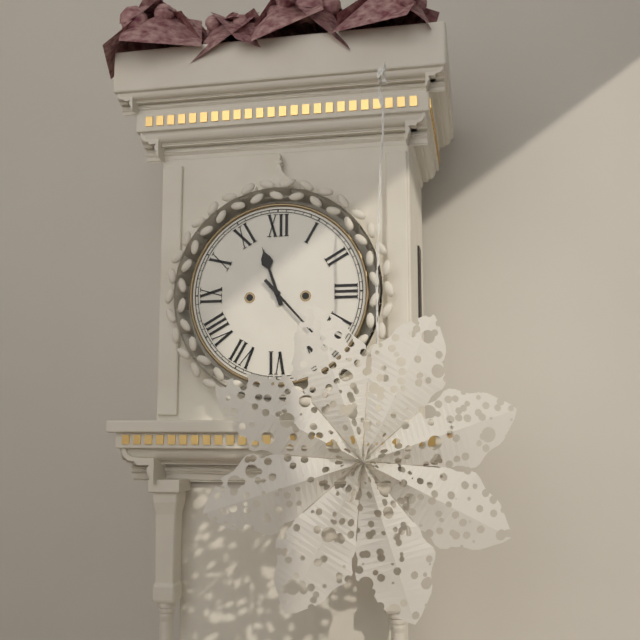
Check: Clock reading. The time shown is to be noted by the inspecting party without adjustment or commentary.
11:23
